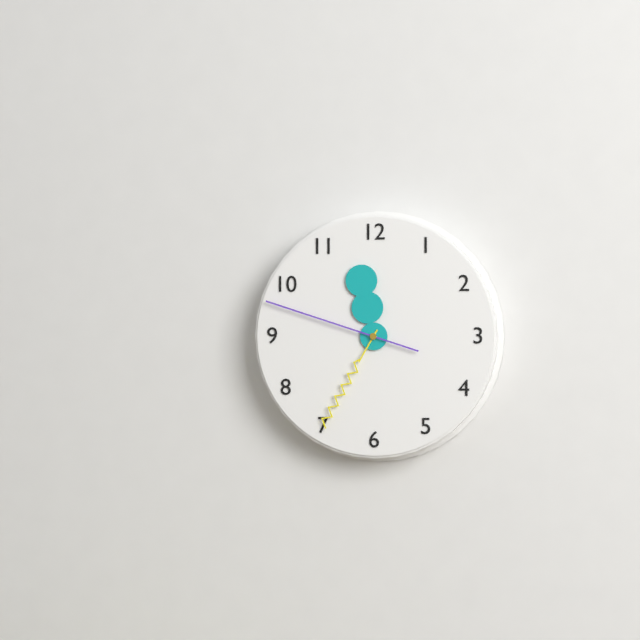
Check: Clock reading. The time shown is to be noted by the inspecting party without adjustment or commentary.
11:35:48
